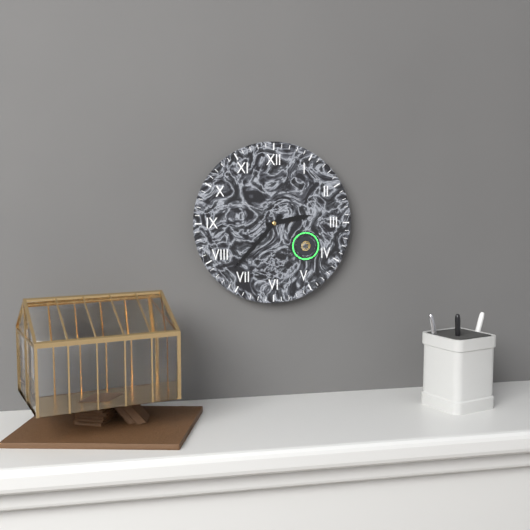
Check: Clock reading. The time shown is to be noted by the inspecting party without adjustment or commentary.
2:37
